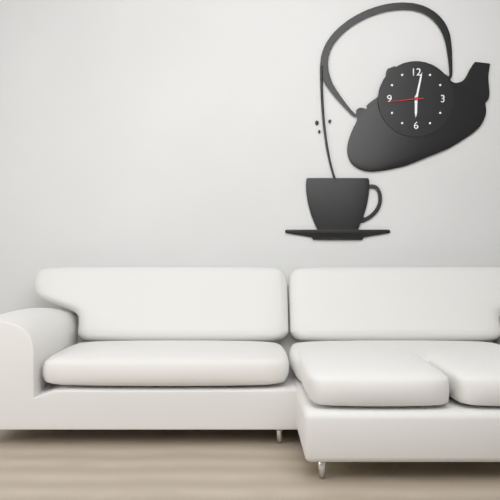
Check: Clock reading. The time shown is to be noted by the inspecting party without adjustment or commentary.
6:02
